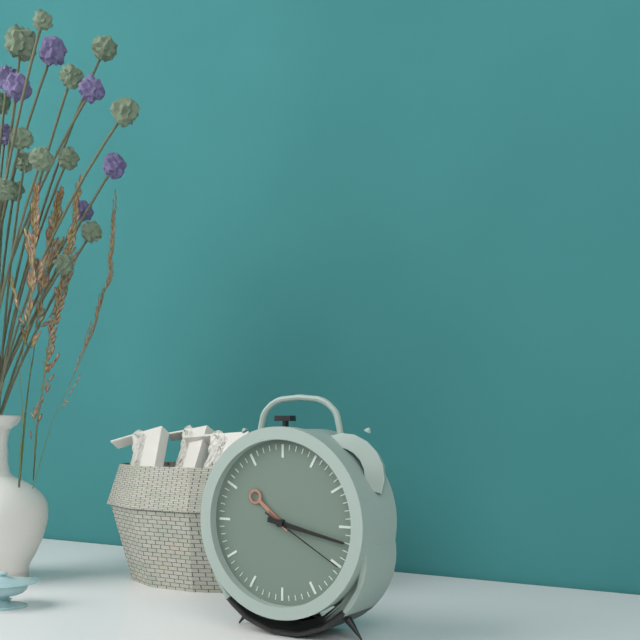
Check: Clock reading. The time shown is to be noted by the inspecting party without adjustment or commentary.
10:17:20
